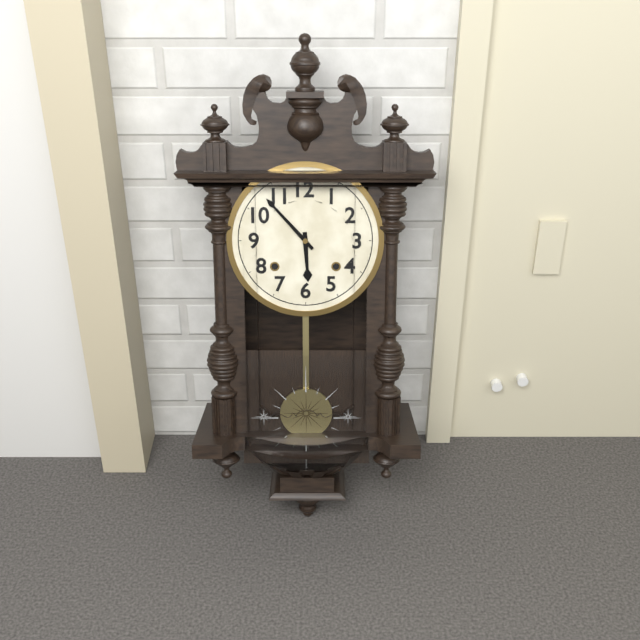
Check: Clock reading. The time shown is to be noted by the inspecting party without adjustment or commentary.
5:53
